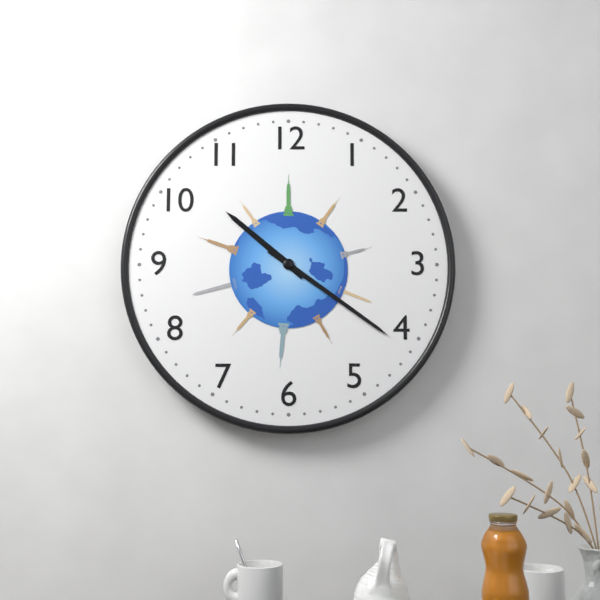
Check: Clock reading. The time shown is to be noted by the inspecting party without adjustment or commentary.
10:21
